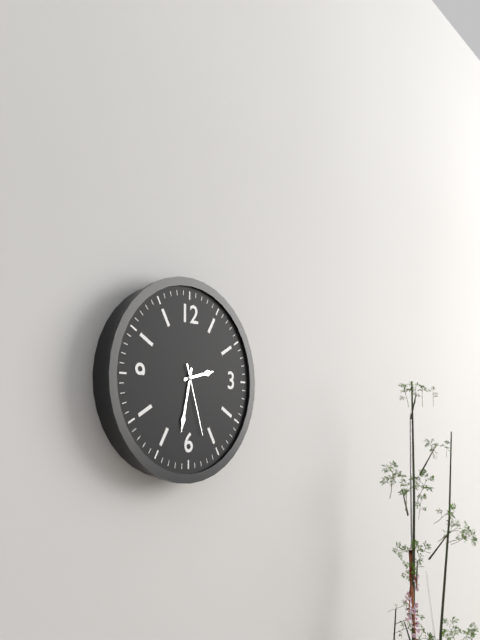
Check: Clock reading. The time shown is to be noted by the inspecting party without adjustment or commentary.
2:32:27
